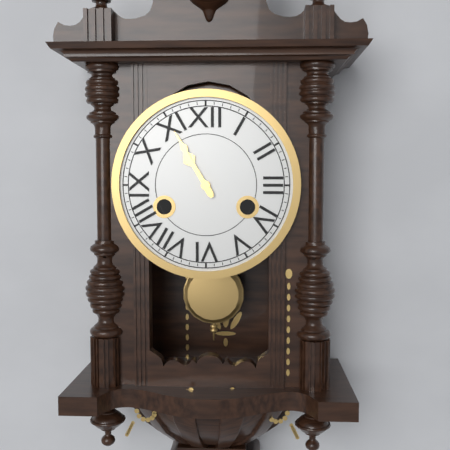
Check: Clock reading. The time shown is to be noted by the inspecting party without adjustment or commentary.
10:55
